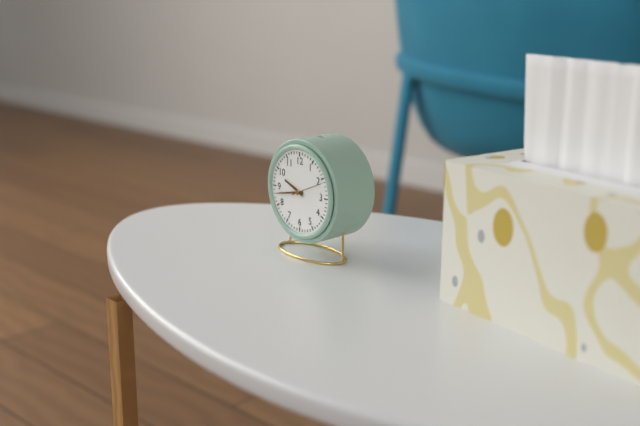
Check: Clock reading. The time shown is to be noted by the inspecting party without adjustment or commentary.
9:43
